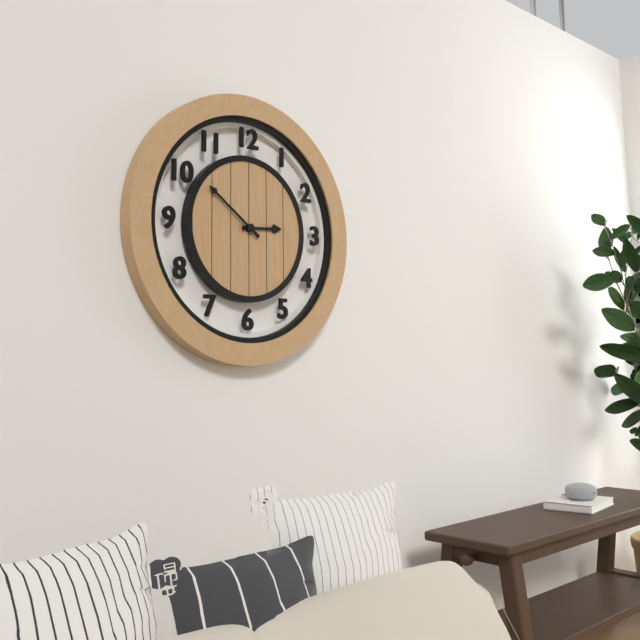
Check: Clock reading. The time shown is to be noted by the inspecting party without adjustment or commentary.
2:51
